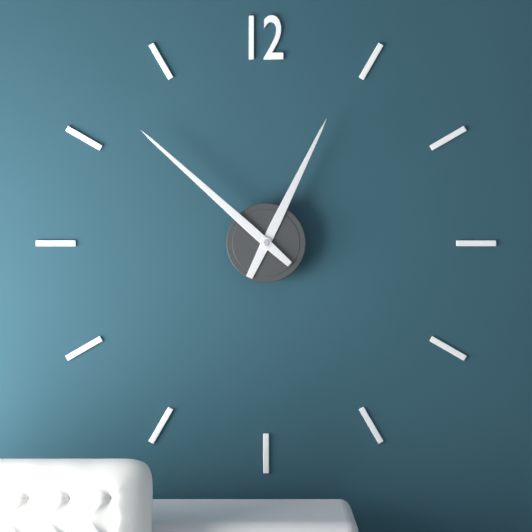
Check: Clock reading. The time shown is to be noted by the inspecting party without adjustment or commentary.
12:52
